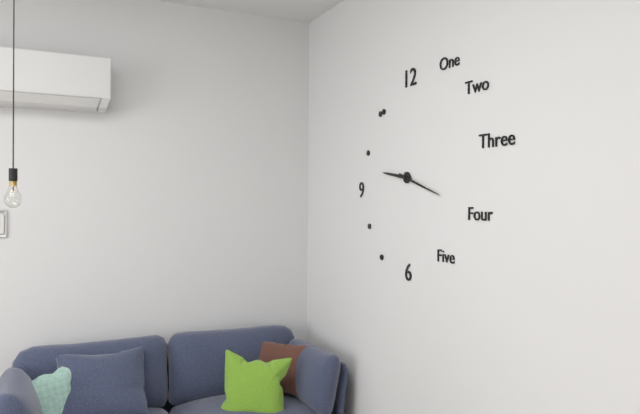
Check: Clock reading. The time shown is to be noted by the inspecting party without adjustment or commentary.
9:18
